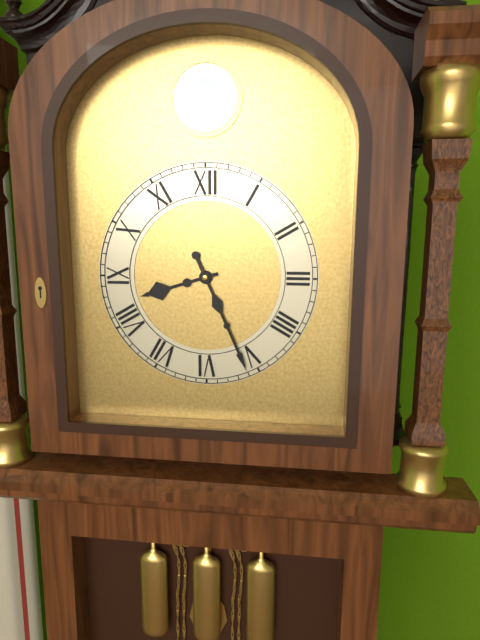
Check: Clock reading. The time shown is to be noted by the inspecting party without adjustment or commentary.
8:26
